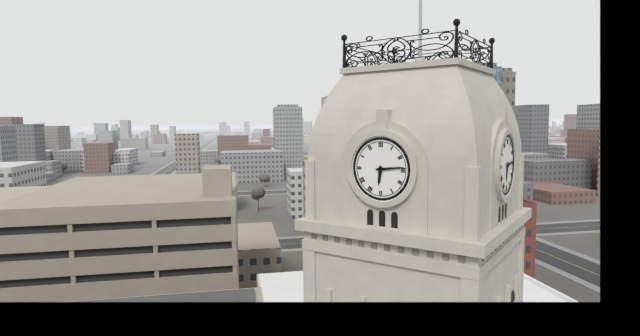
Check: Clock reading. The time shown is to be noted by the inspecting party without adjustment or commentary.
6:14
